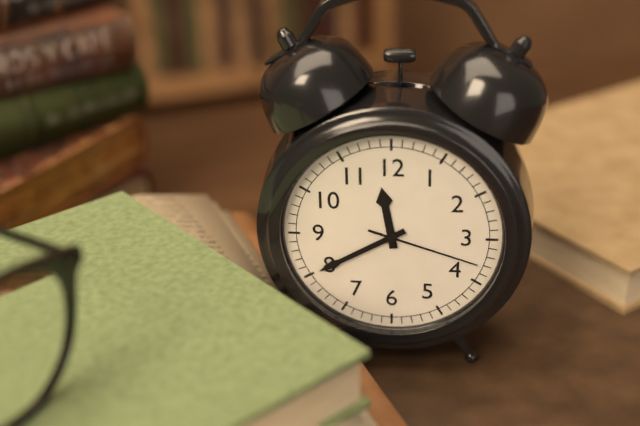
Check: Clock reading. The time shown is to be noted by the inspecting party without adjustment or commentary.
11:40:18
